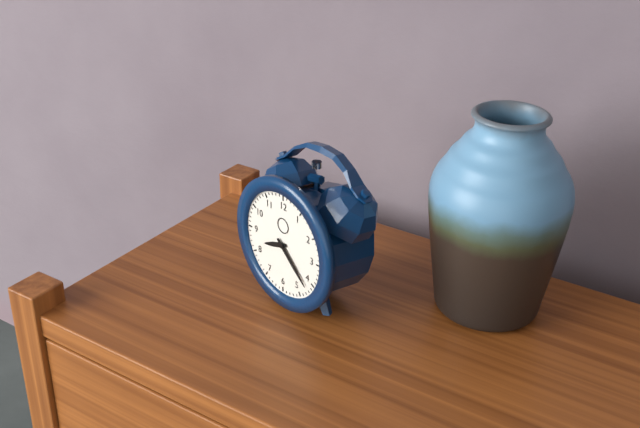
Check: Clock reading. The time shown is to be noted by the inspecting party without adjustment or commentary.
8:22
